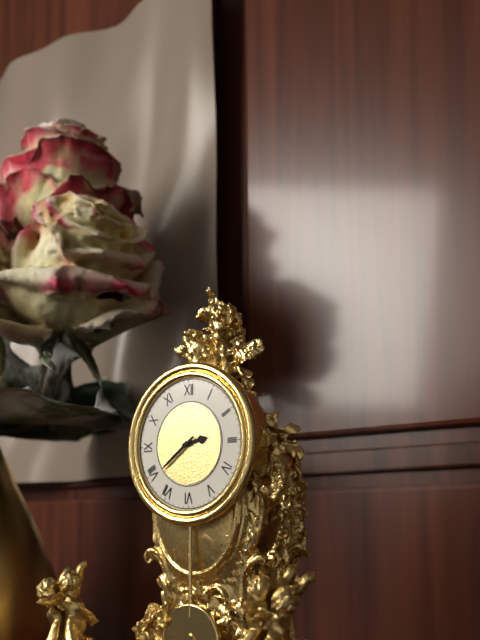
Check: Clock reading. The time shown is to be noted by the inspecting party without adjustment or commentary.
2:39
